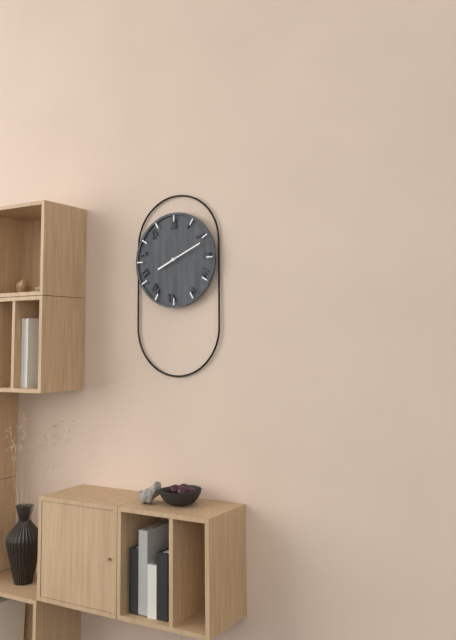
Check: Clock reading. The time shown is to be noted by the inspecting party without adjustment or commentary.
8:11
